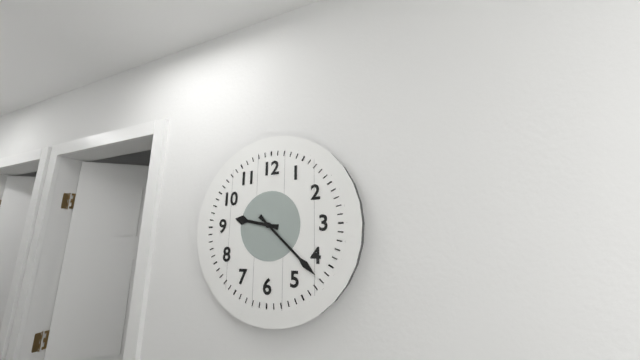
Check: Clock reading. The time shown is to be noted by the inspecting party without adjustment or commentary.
9:22
